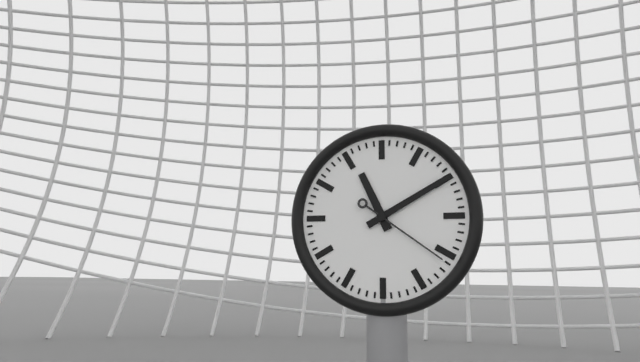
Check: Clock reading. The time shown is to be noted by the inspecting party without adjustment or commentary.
11:10:21
